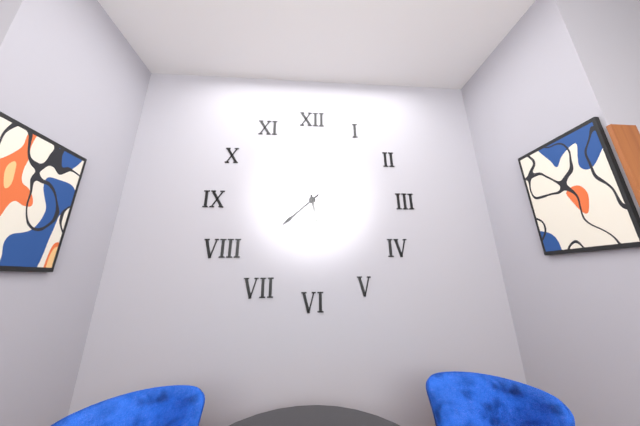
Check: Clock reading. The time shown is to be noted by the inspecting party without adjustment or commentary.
5:38
